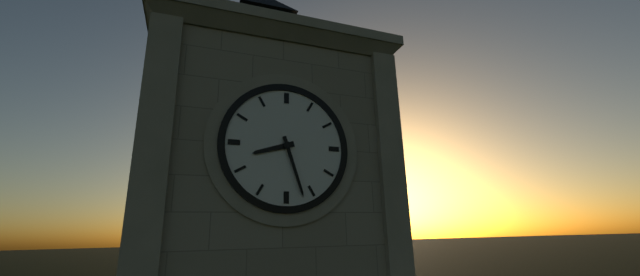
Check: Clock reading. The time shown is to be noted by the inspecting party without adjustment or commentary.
8:27
